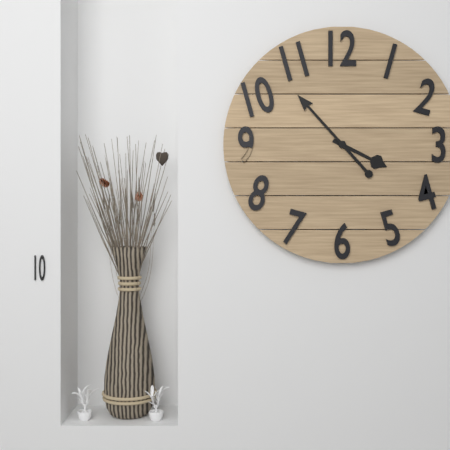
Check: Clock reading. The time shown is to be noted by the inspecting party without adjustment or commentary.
3:53
